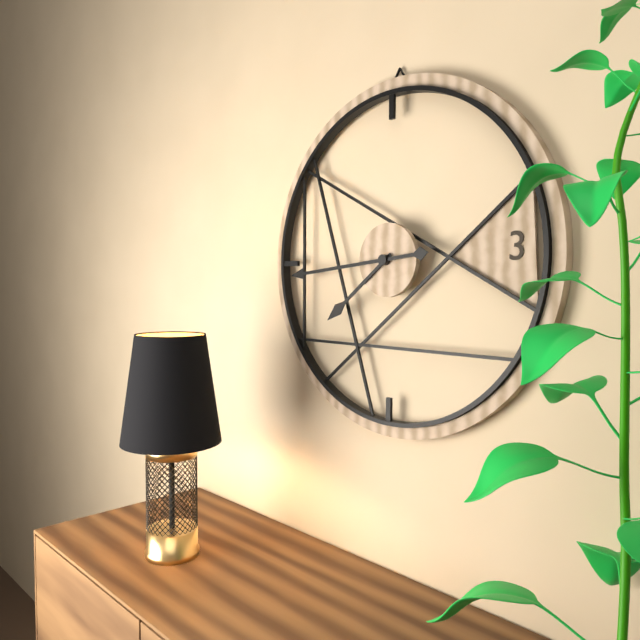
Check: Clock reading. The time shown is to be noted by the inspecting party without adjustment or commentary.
7:44
